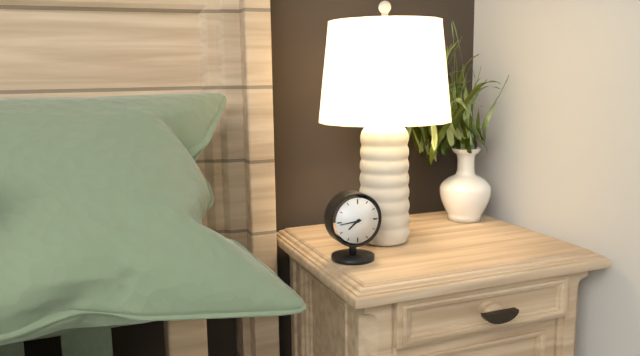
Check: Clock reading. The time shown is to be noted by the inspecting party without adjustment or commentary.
7:44
